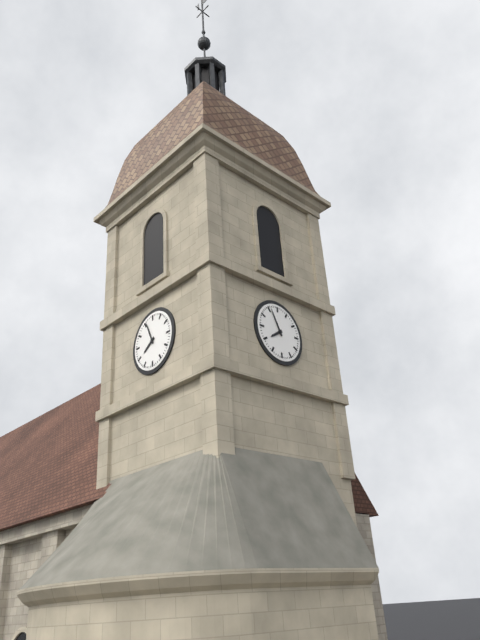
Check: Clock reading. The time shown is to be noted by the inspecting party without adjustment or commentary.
7:56
